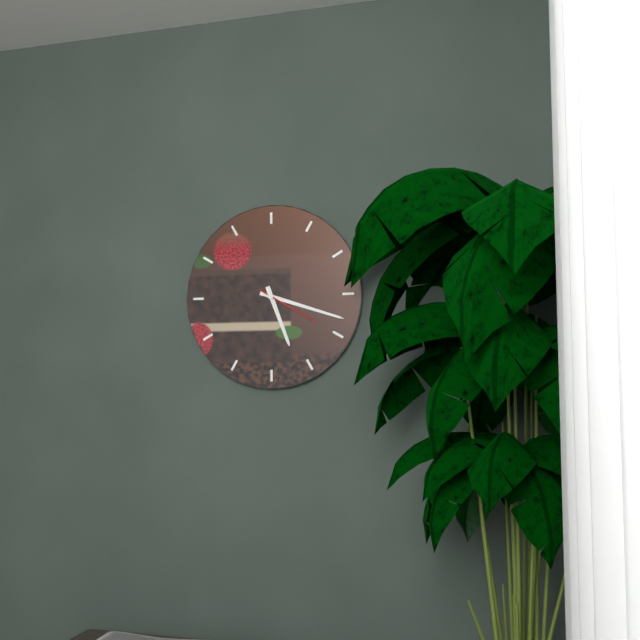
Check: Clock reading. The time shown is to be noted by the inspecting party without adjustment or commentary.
5:18:20
